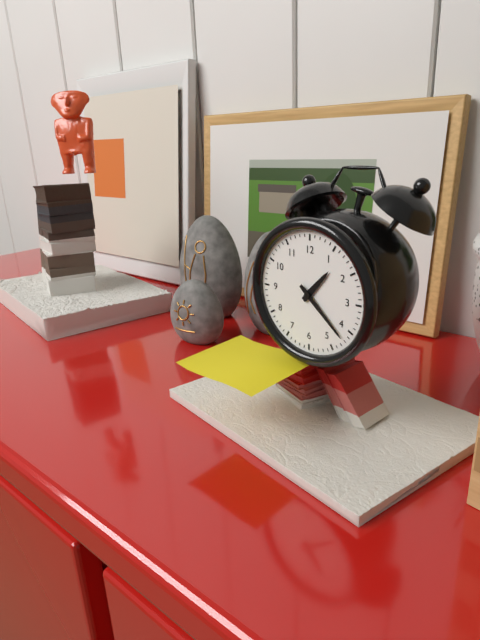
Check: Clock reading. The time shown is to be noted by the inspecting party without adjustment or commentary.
1:22
